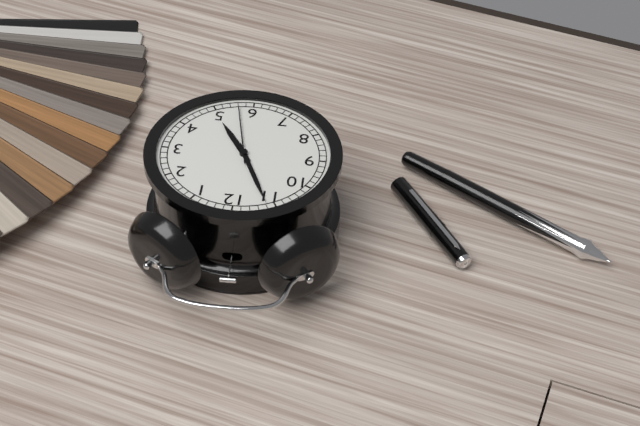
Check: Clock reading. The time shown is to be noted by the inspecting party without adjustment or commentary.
4:56:28
